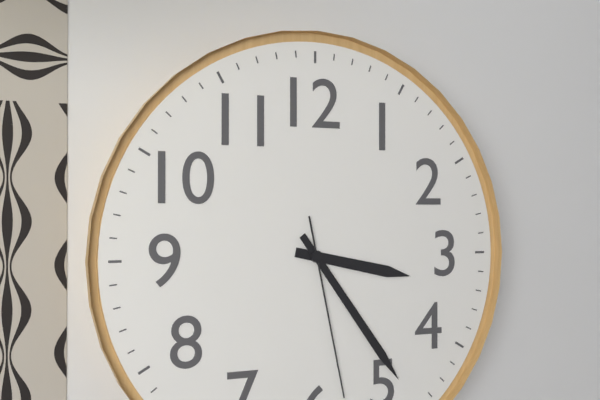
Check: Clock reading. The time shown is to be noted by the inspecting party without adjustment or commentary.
3:24:28
